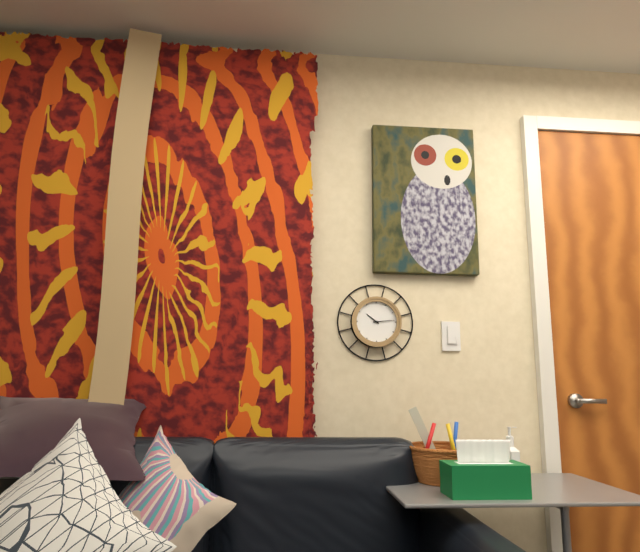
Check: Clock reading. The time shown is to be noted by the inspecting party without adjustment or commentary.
10:14
